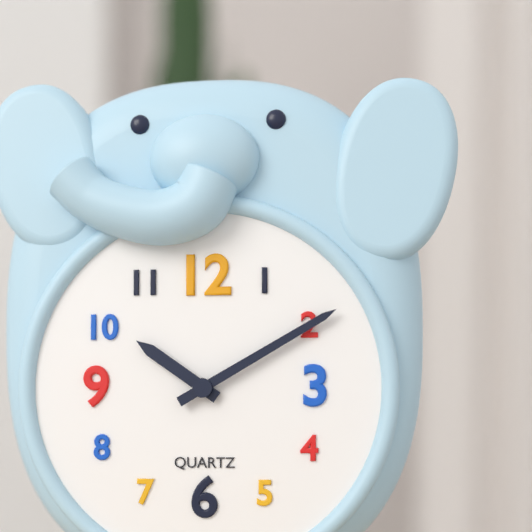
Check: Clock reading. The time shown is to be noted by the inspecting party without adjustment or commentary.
10:10
